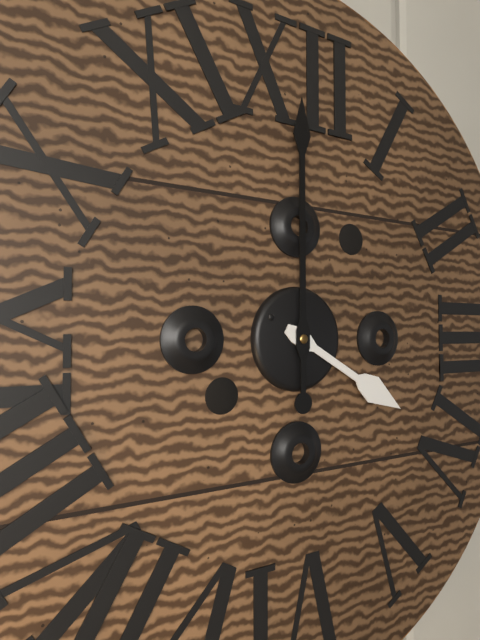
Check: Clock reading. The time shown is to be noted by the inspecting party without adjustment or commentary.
4:00
